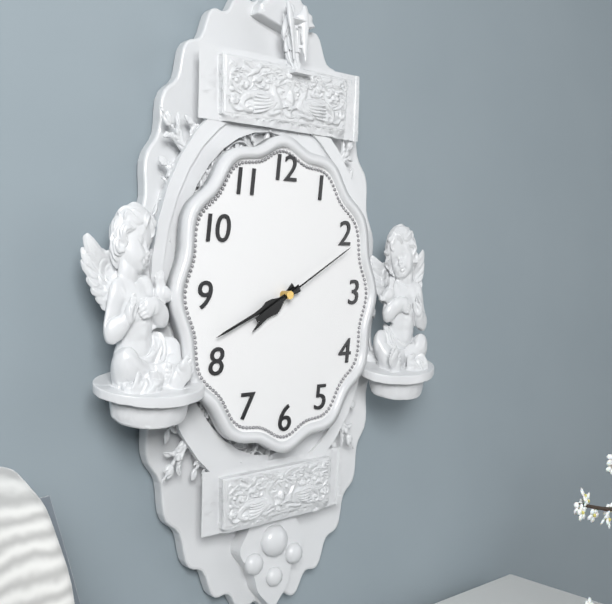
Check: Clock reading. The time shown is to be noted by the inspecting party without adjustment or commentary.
7:41:10
